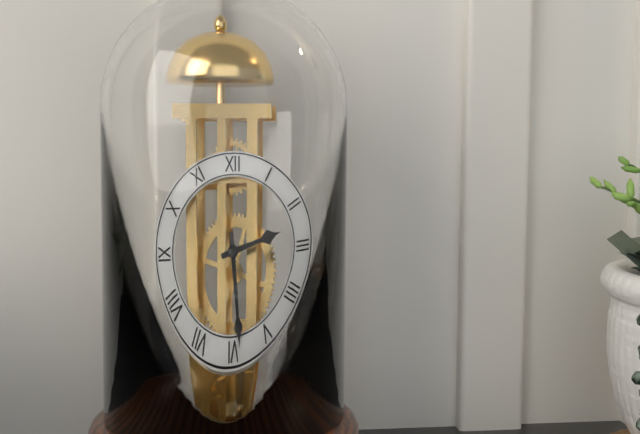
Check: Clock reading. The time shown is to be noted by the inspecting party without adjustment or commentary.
2:29
